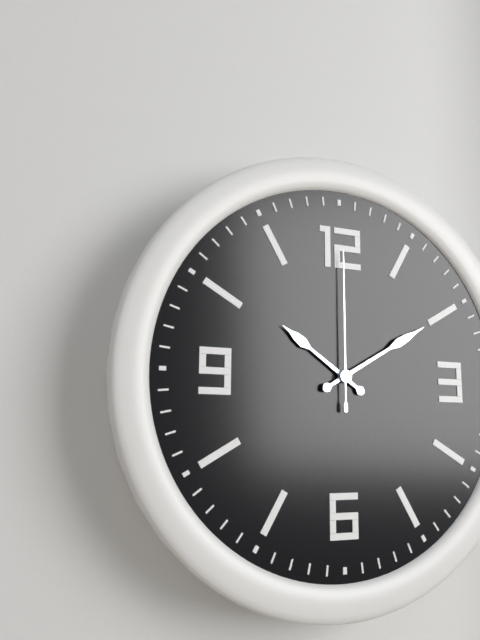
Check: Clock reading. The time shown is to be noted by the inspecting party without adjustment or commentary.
10:10:00
